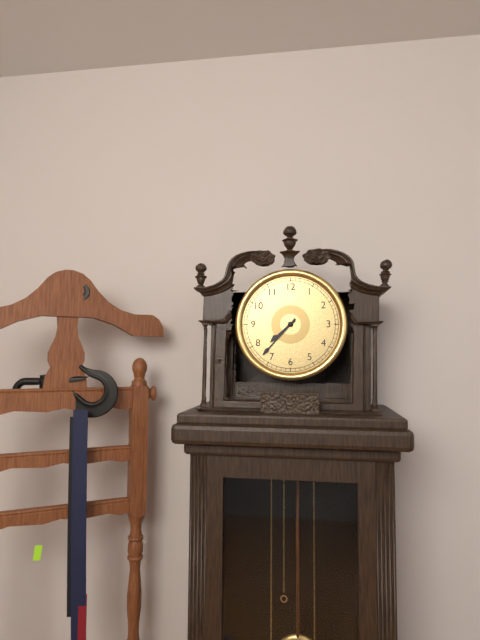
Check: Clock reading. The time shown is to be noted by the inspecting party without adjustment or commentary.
7:37
